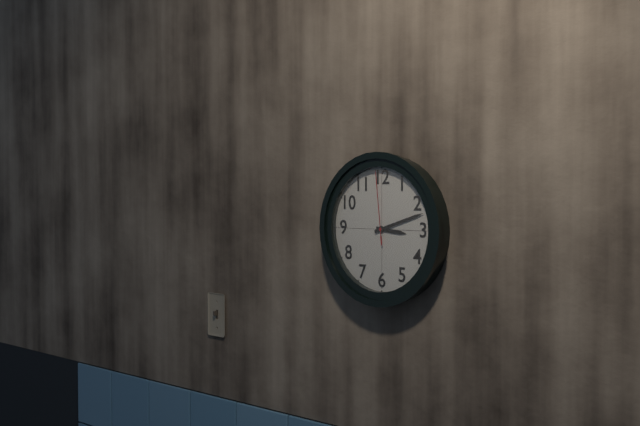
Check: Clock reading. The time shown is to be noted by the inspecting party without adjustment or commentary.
3:12:59
